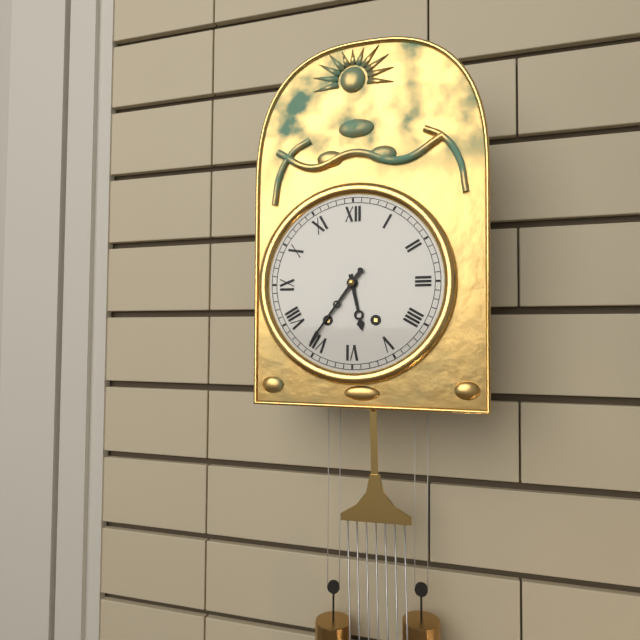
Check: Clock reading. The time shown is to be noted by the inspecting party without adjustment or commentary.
5:36
